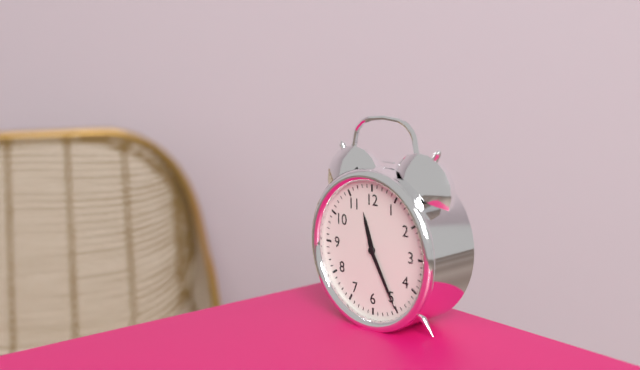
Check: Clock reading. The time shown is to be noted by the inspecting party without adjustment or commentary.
11:25
